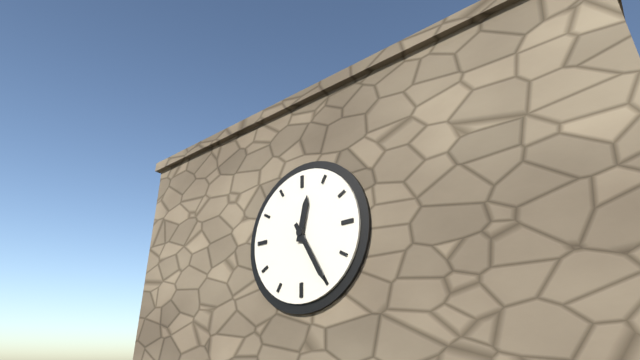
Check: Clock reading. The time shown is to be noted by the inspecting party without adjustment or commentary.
12:25
